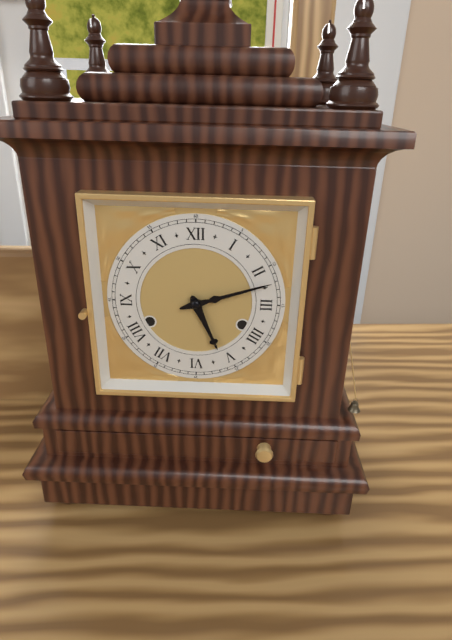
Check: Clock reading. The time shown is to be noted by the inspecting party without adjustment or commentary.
5:12
